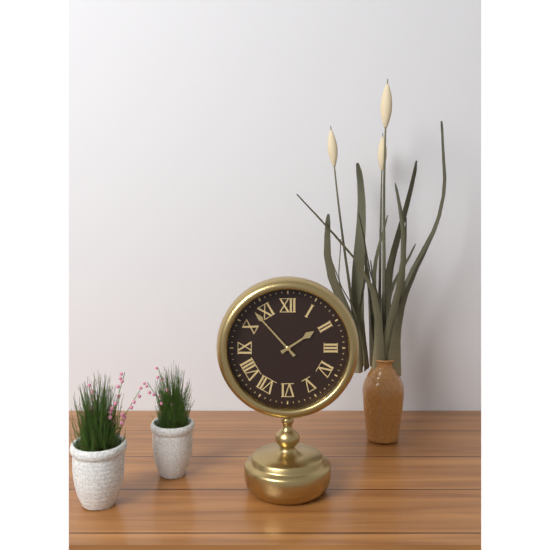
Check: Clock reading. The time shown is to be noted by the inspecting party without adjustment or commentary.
1:53
